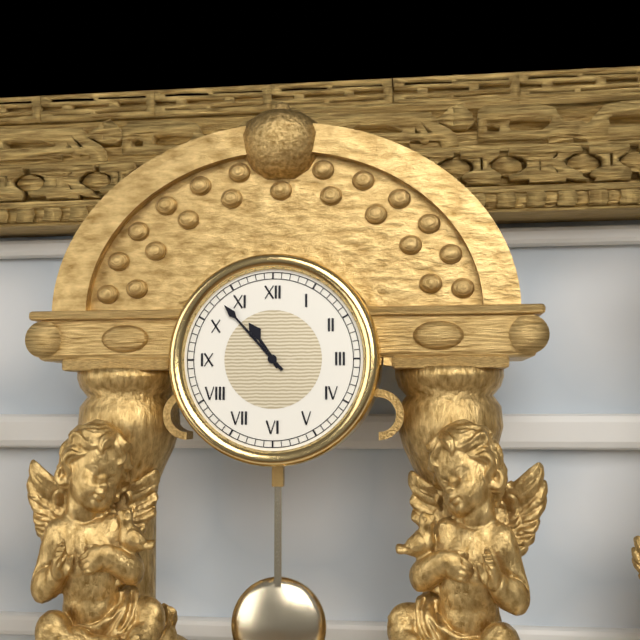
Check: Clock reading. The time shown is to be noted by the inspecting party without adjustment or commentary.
10:53
